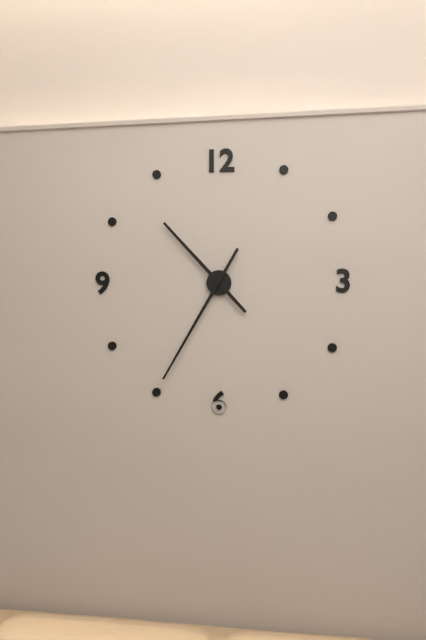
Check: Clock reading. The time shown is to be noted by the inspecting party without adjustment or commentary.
10:35
